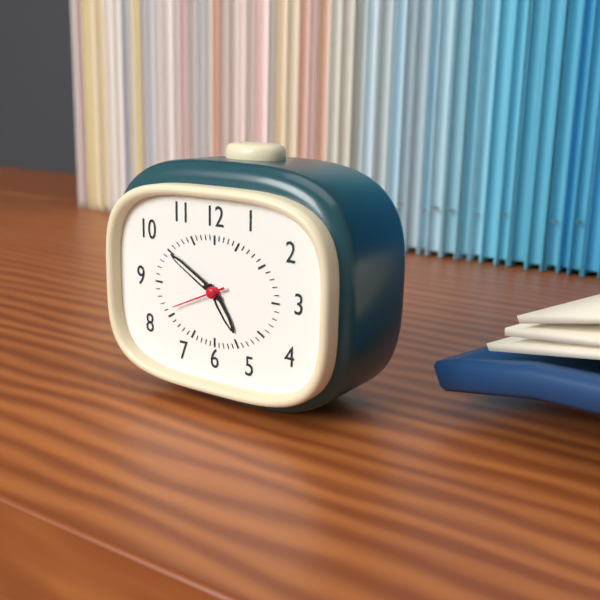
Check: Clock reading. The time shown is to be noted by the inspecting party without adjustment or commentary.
4:50:41
